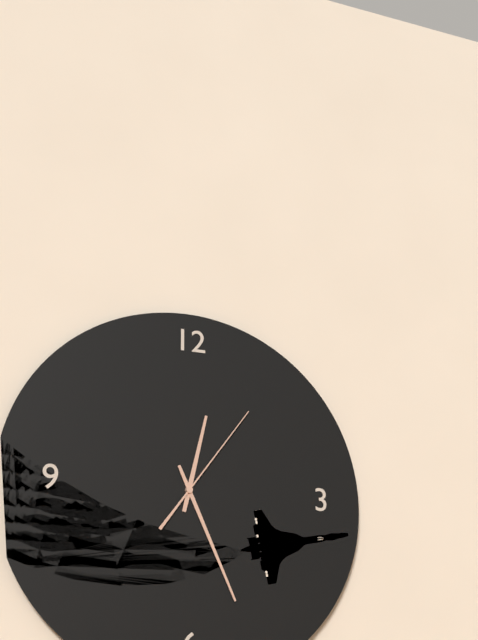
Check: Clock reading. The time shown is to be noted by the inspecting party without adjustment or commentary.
12:26:06
